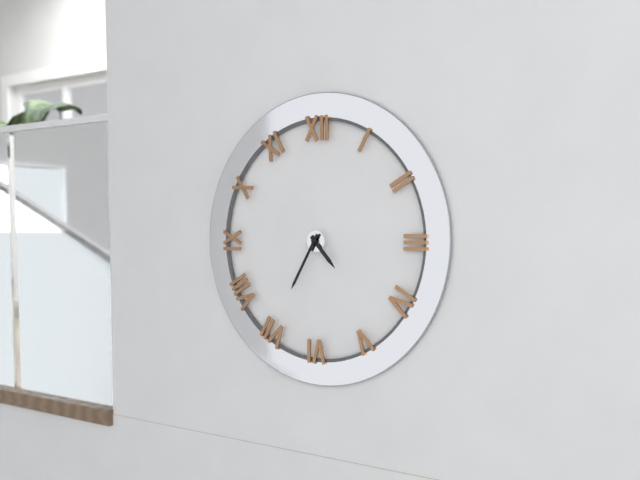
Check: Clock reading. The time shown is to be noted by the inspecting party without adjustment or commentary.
4:35
